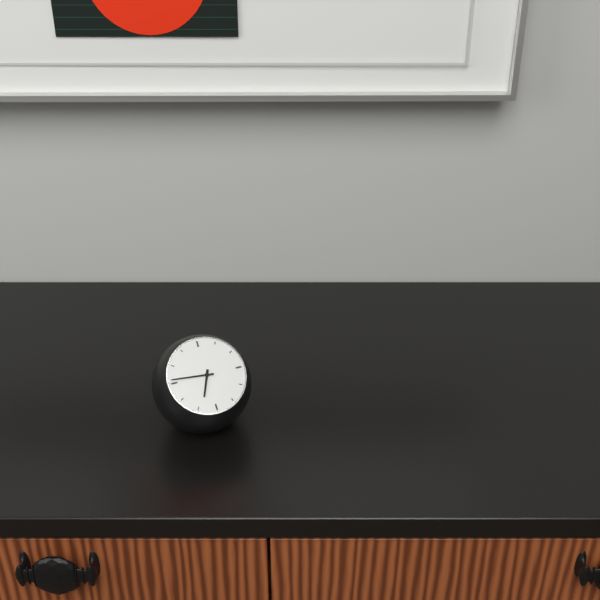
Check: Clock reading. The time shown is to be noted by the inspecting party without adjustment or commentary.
6:46
